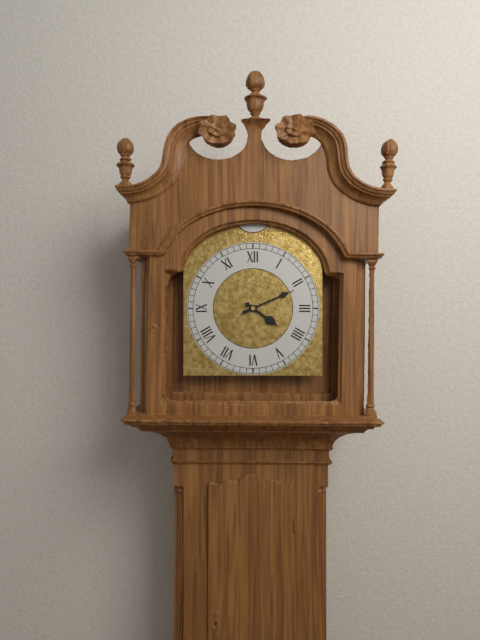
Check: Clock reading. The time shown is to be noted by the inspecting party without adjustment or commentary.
4:11
